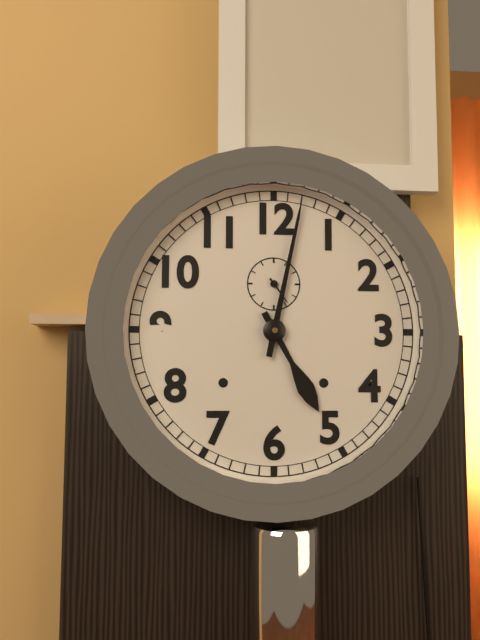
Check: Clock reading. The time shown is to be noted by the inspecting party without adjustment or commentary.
5:02
